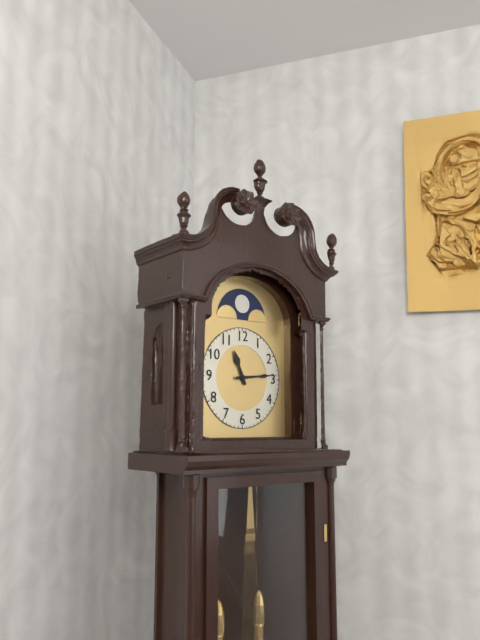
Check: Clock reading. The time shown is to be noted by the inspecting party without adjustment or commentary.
11:14
